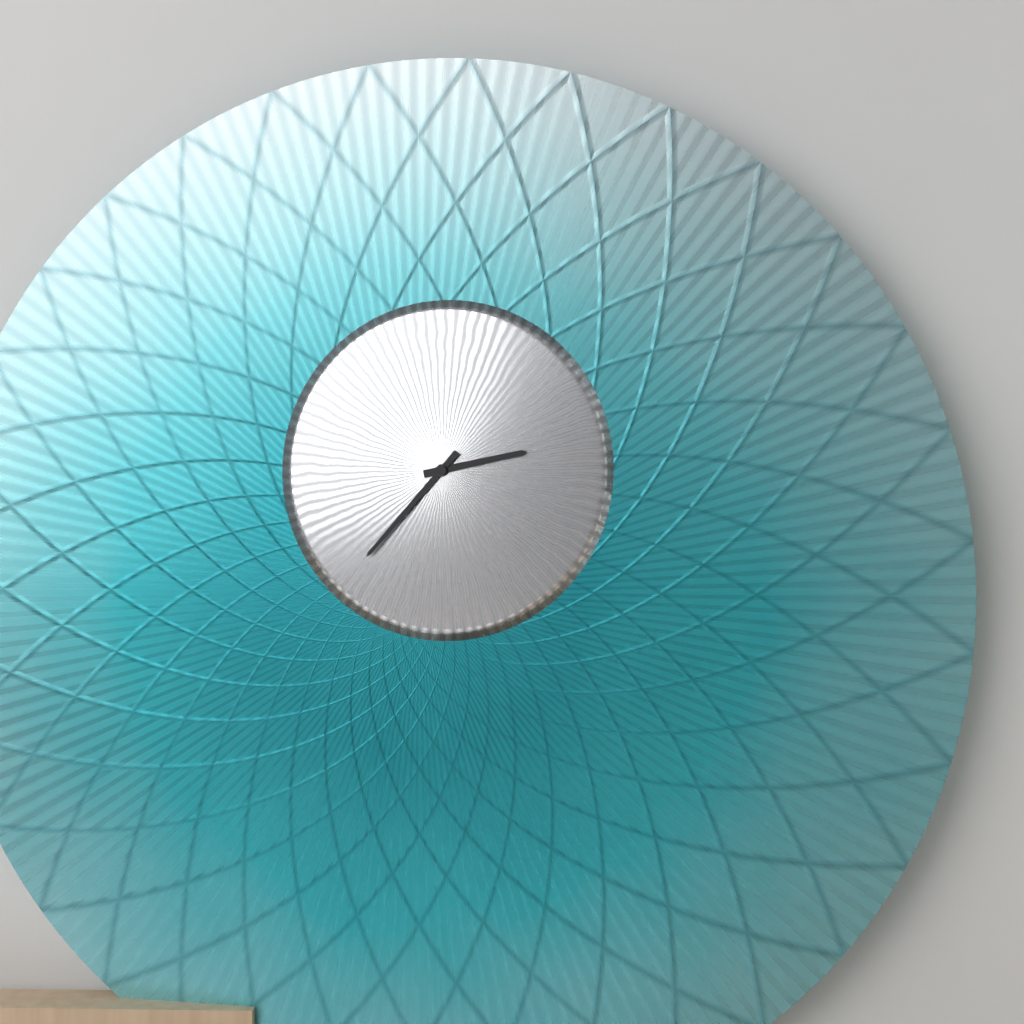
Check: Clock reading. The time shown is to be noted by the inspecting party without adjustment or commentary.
2:37
